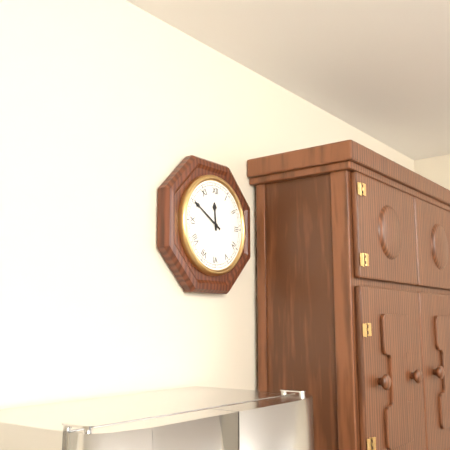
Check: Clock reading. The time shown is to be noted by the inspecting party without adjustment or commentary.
11:50
